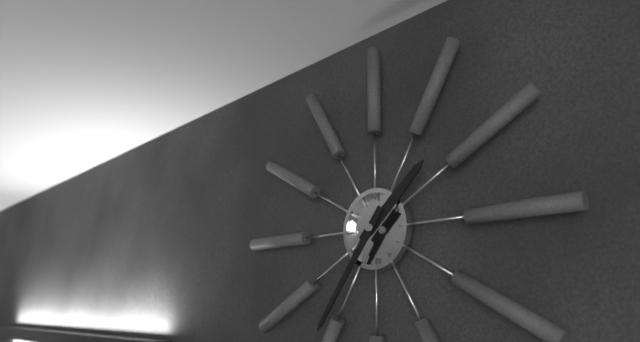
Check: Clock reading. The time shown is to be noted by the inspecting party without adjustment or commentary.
1:36
